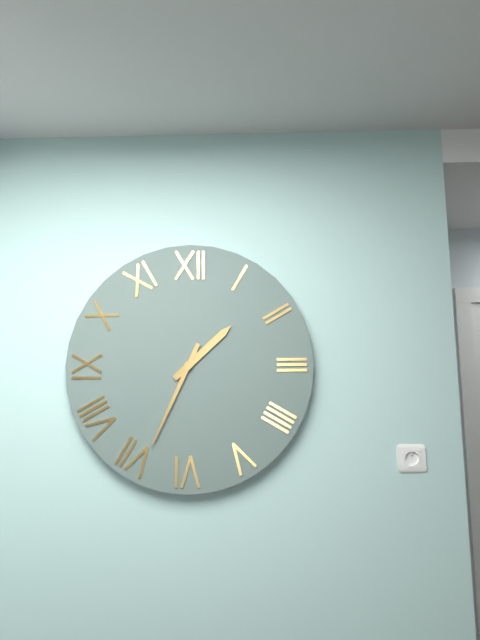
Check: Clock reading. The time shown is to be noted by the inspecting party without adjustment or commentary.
1:34
